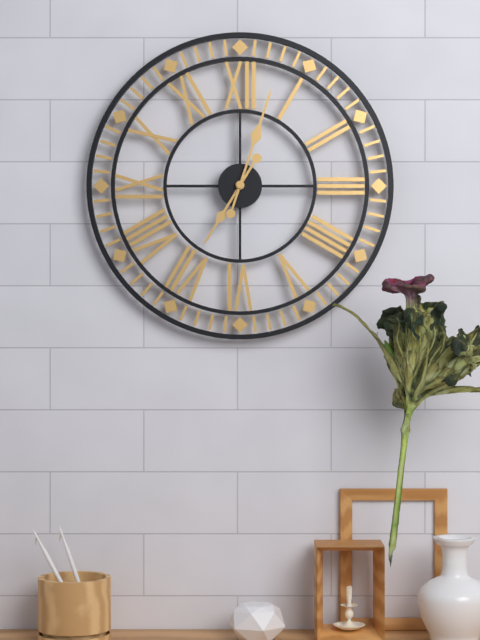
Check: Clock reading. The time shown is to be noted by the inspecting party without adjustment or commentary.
7:03
